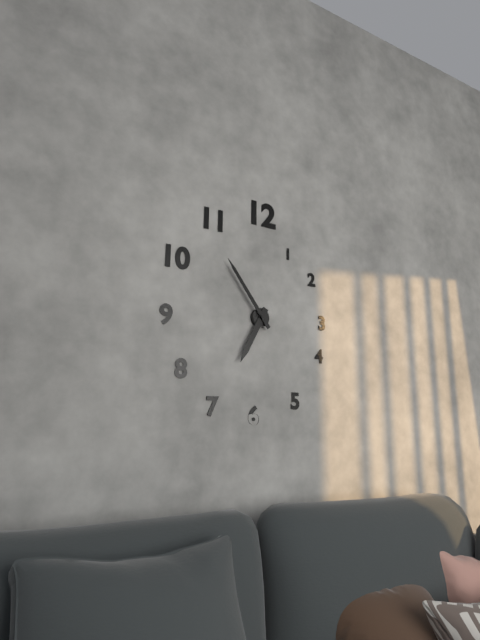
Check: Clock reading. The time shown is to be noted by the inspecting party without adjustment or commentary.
6:54
